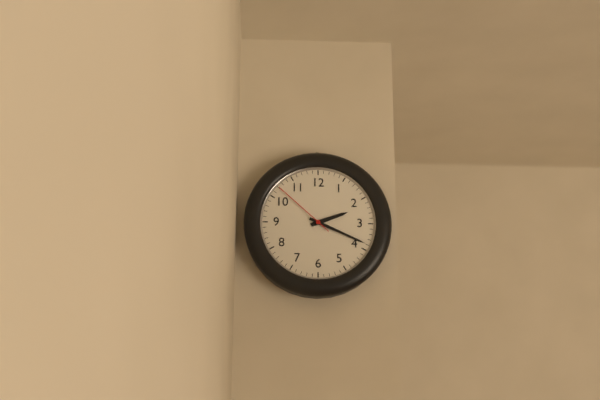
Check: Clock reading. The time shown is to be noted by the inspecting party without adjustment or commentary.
2:19:52
